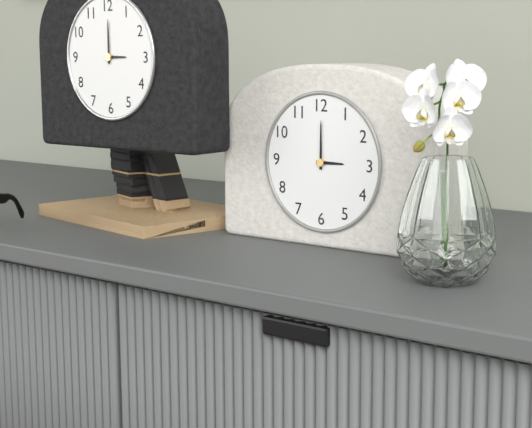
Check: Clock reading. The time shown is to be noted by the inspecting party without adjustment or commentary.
3:00
